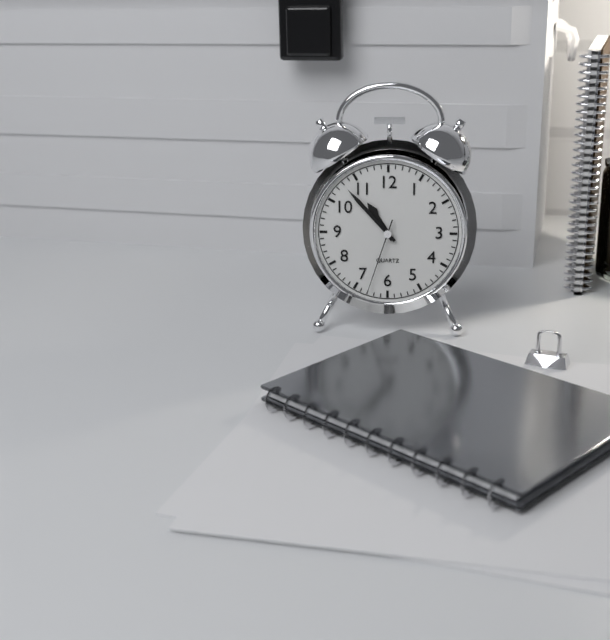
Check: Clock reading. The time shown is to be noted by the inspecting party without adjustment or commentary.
10:53:33
